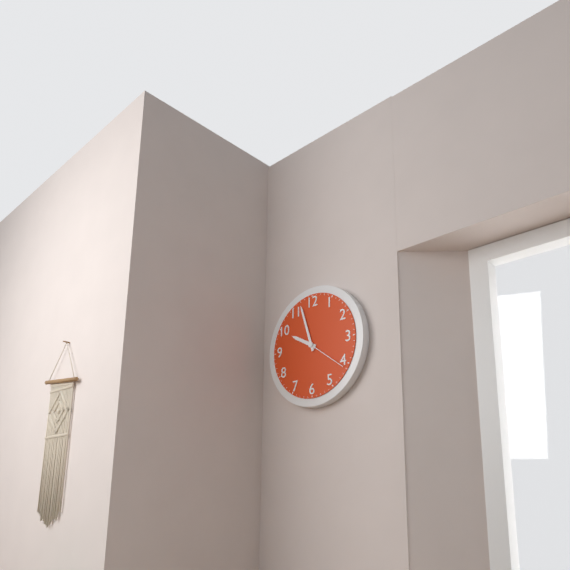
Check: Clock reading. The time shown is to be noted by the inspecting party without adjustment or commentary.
9:57
